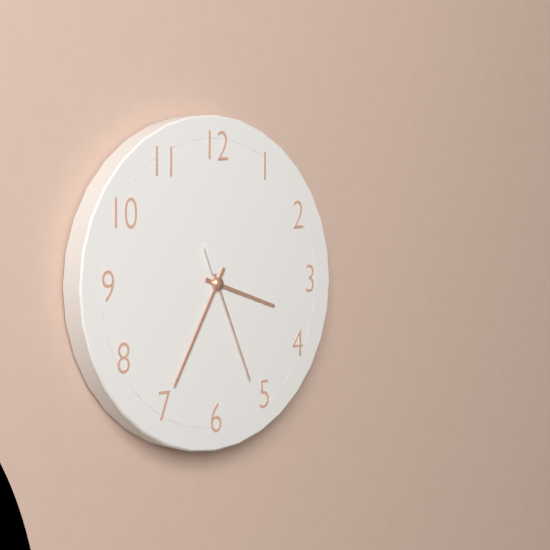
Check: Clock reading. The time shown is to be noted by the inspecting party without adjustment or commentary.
3:35:26
